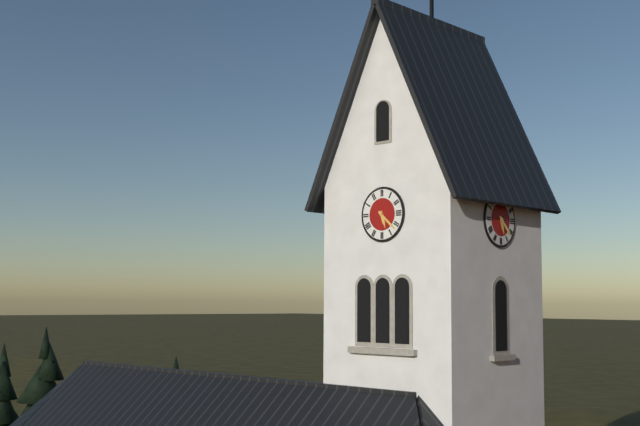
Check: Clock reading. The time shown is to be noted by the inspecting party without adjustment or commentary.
5:22
